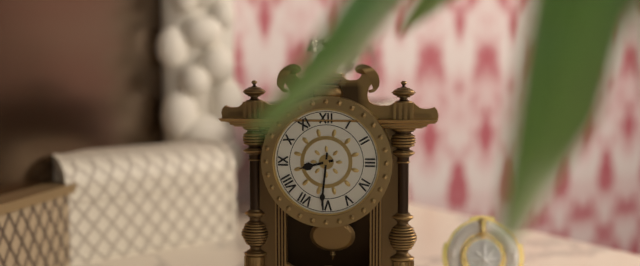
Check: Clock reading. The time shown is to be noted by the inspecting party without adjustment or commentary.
8:31
